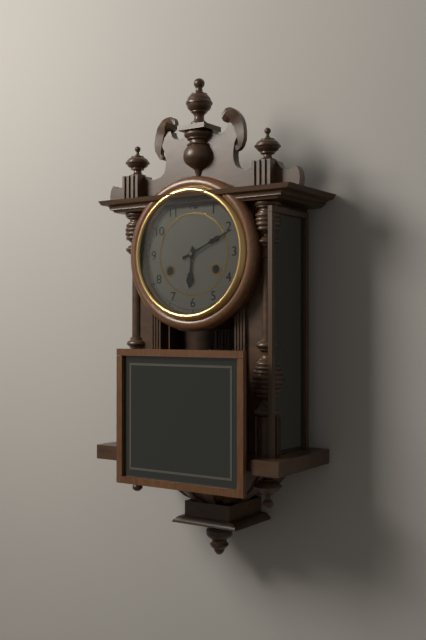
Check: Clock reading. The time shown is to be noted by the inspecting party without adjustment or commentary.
6:11
